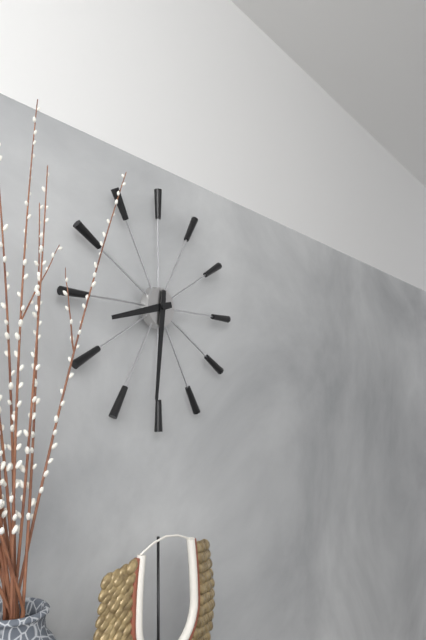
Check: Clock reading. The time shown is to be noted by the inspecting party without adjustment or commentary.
8:31
